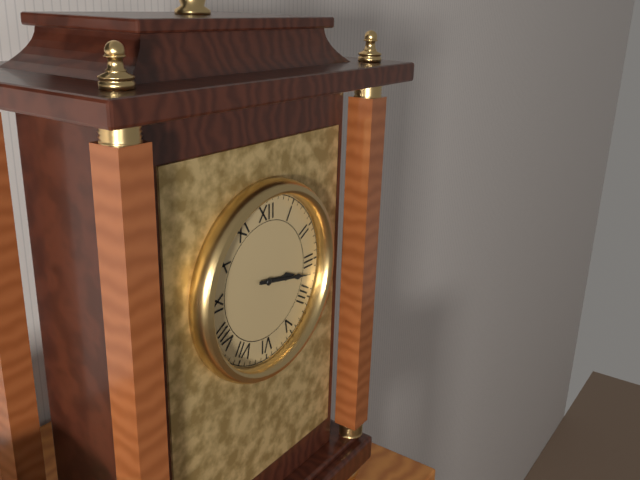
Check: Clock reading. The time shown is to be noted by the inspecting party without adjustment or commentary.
3:17
